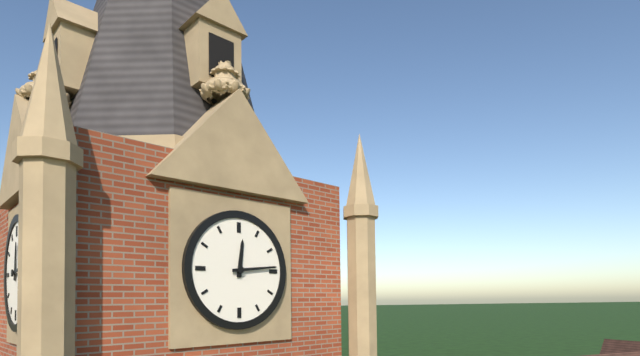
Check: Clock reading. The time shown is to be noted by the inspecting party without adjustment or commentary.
12:14
